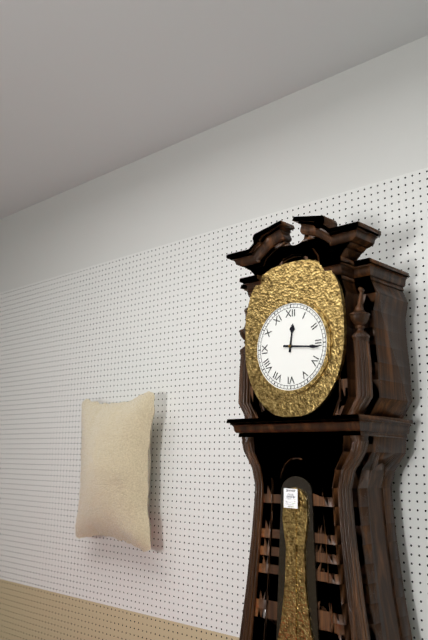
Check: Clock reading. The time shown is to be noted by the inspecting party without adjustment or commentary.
12:16
